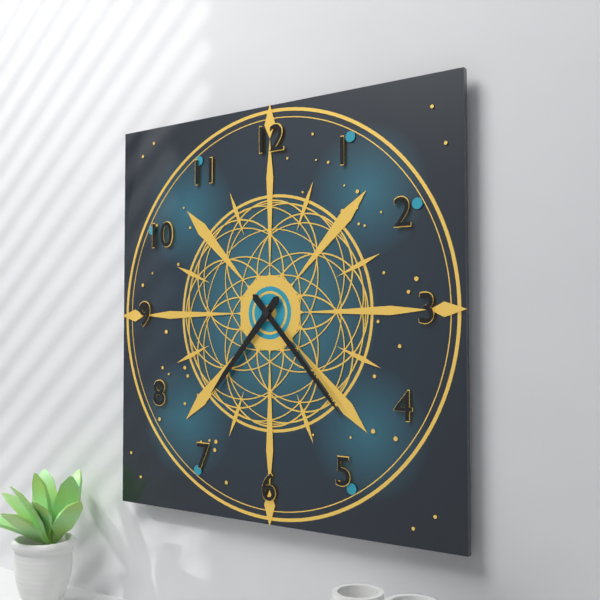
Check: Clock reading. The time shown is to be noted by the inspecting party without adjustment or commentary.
7:23
